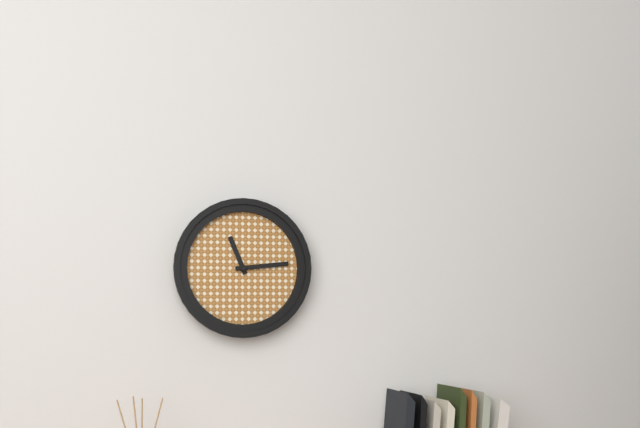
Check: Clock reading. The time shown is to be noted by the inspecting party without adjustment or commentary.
11:14
